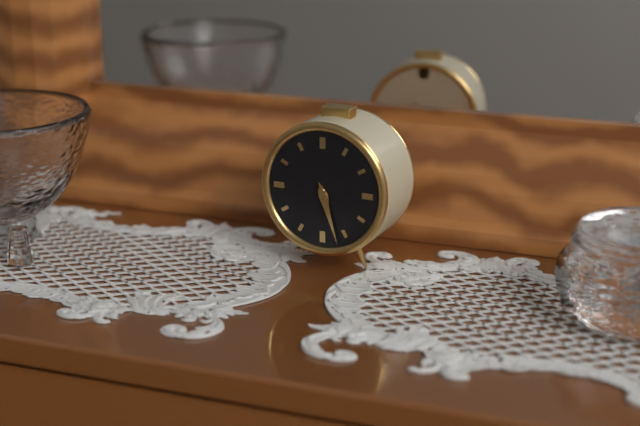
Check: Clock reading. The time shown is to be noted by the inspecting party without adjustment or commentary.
5:27
